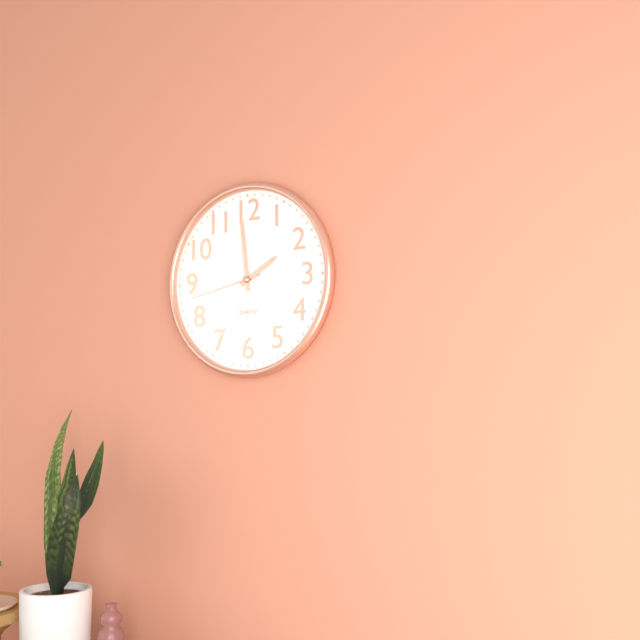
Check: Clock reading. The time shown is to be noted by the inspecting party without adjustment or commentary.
1:59:43
